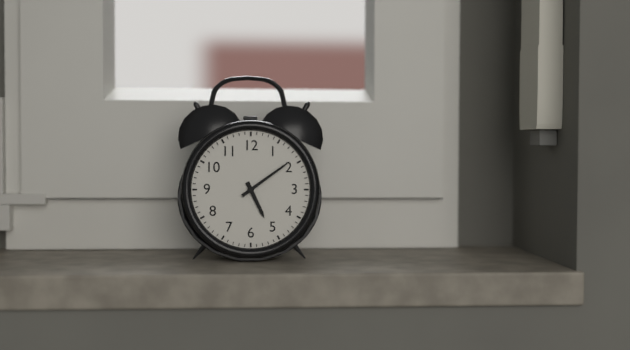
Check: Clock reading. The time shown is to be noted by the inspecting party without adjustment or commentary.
5:09
